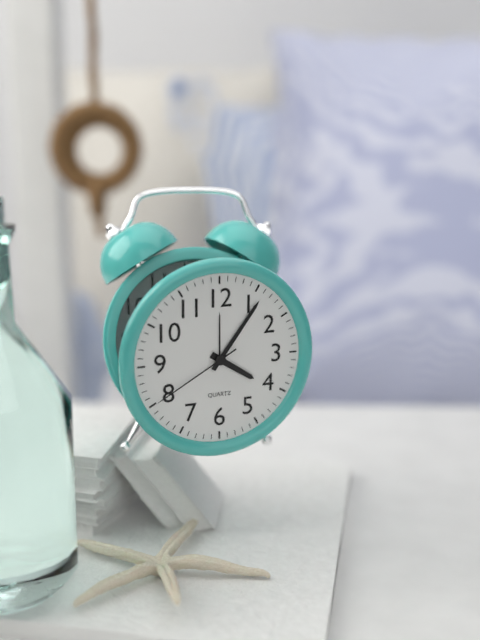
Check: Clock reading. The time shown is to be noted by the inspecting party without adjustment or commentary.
4:06:40
